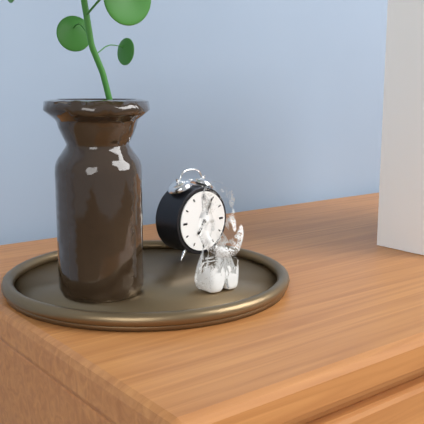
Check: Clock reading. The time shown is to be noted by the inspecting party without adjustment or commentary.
7:04
